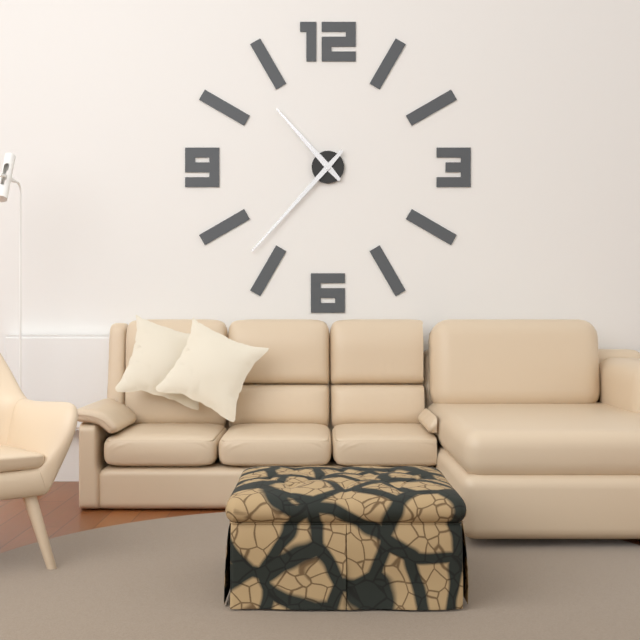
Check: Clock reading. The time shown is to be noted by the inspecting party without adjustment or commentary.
10:37
